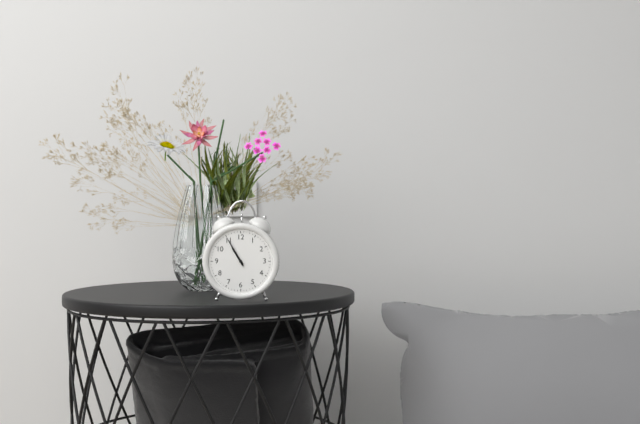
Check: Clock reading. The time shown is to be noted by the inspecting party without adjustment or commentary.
10:55
